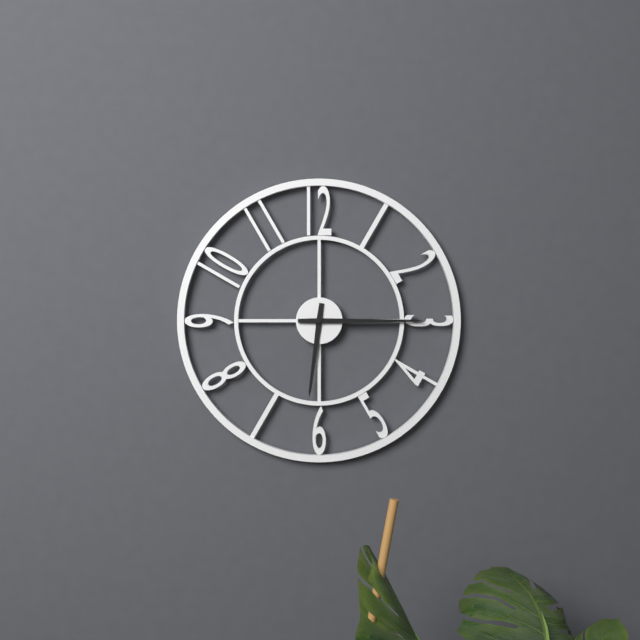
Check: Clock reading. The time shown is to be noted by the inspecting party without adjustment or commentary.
6:15
